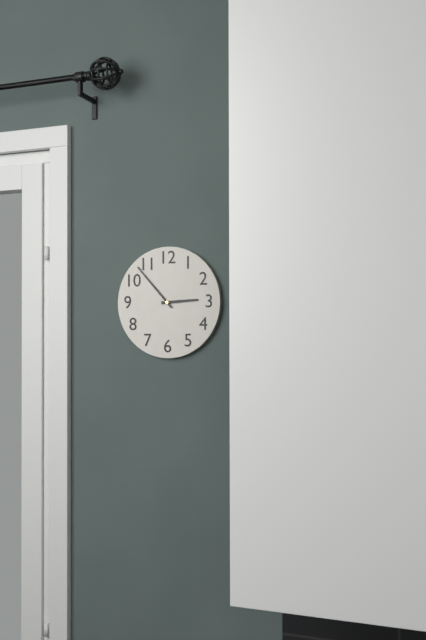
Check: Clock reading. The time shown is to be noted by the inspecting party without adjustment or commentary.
2:53
